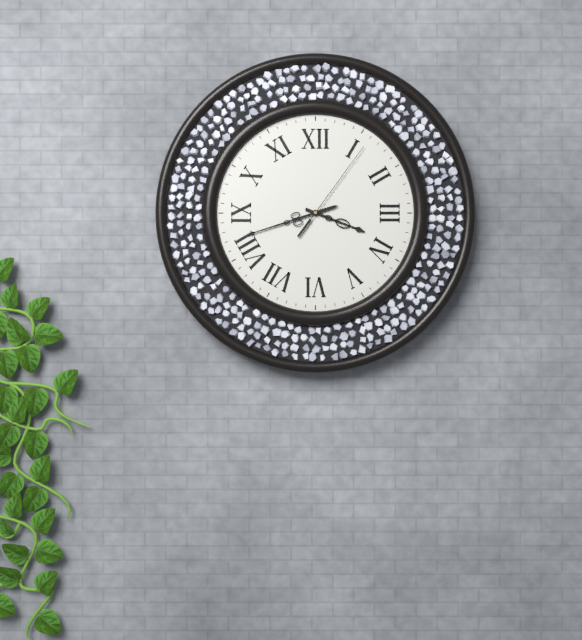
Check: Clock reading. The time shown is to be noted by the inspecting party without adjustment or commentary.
3:42:06
